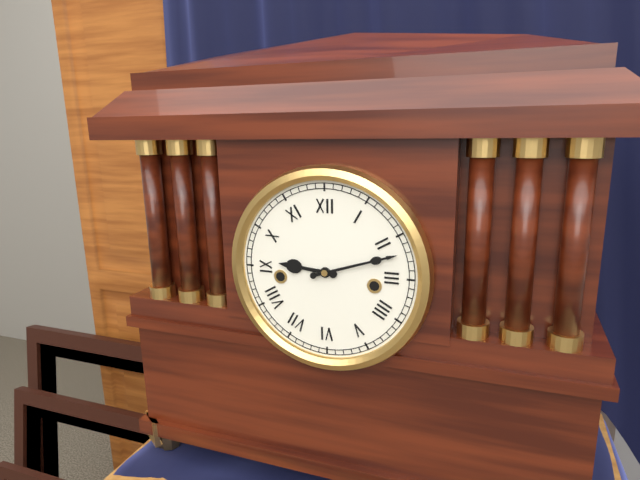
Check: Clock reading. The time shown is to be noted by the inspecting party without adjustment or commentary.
9:12
